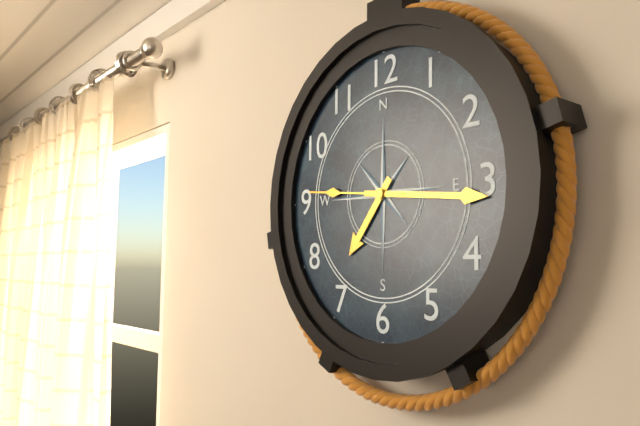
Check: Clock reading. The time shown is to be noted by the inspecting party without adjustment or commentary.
7:16:46
